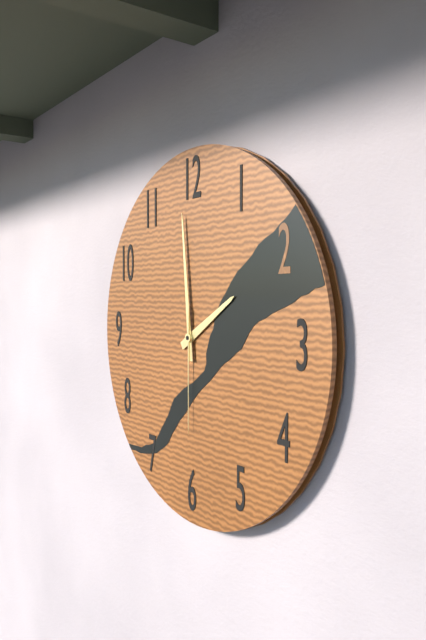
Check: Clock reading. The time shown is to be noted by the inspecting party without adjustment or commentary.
1:59:30
